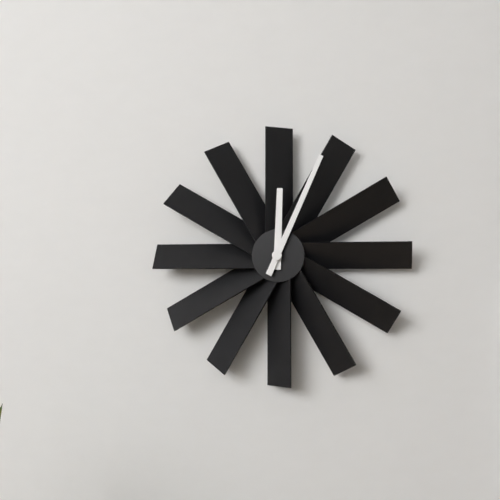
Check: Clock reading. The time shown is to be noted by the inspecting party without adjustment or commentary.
12:04
